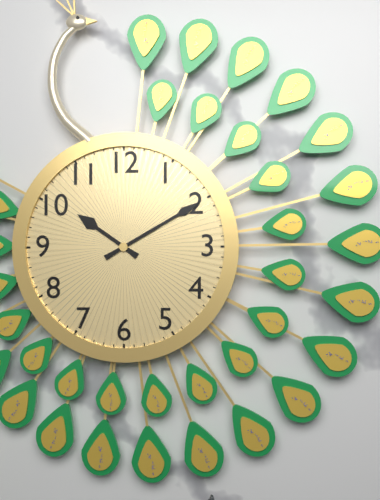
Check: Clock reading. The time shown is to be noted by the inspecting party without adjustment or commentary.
10:10
